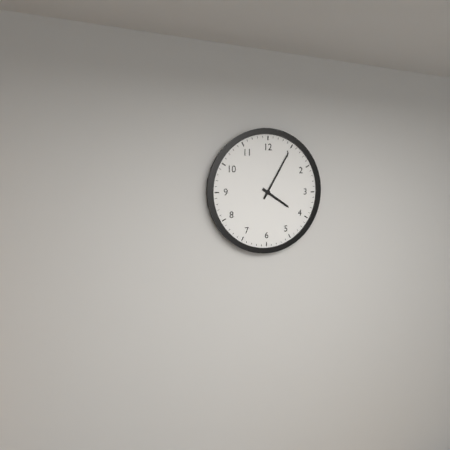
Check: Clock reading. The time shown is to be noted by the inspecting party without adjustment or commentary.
4:05
